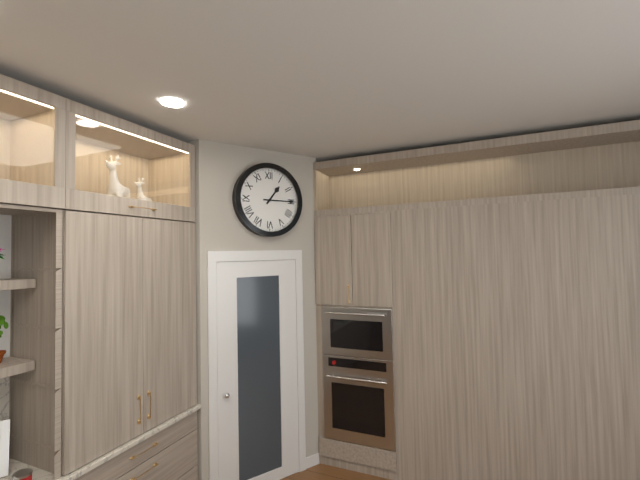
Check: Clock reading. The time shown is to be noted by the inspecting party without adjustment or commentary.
1:15
